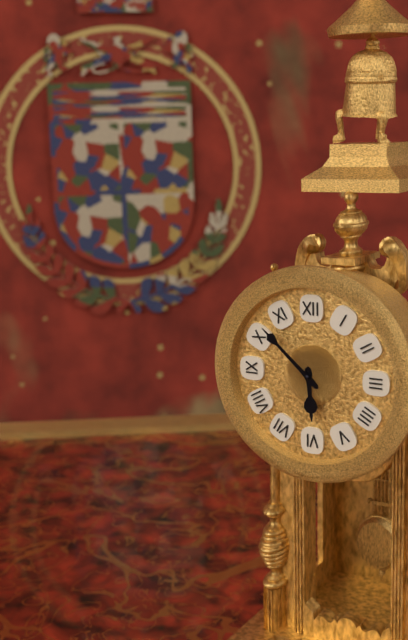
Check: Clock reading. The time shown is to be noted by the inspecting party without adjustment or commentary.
5:52
